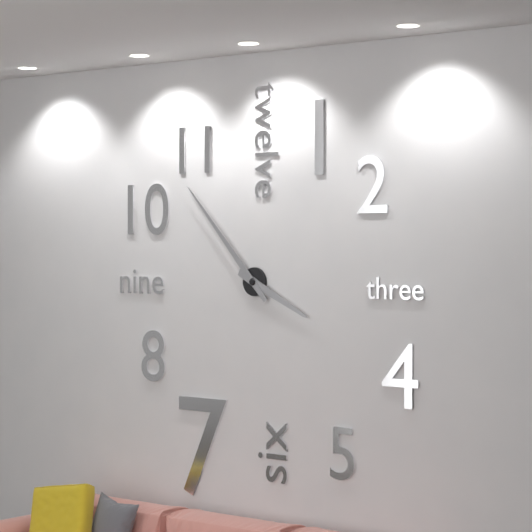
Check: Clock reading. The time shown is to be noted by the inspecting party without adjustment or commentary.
3:53
